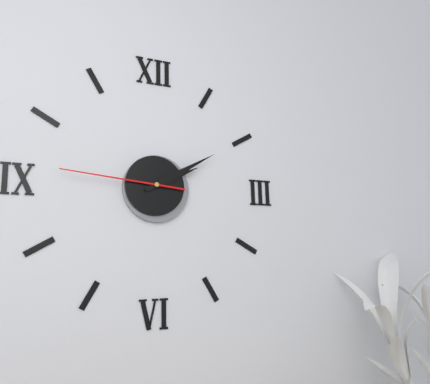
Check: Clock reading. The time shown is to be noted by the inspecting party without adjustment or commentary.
2:10:46
